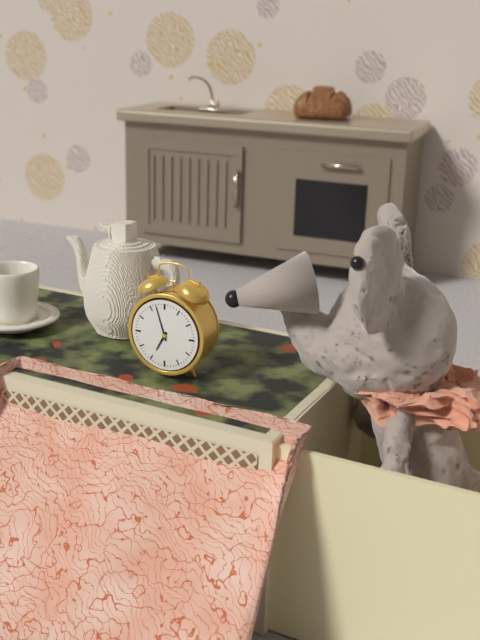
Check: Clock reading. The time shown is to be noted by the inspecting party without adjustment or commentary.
6:57
